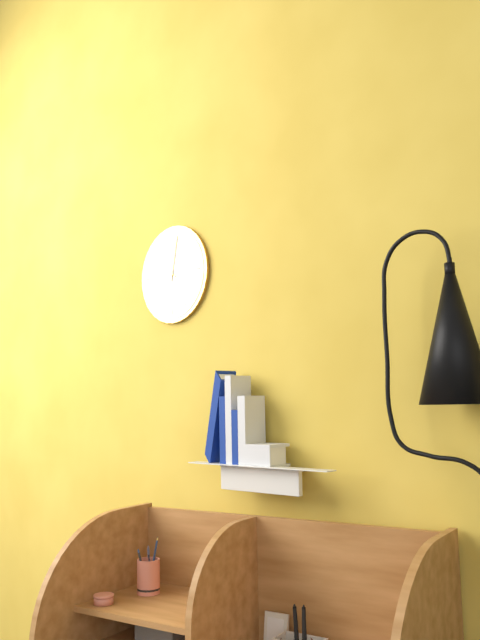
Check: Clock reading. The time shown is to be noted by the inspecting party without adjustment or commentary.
10:02
